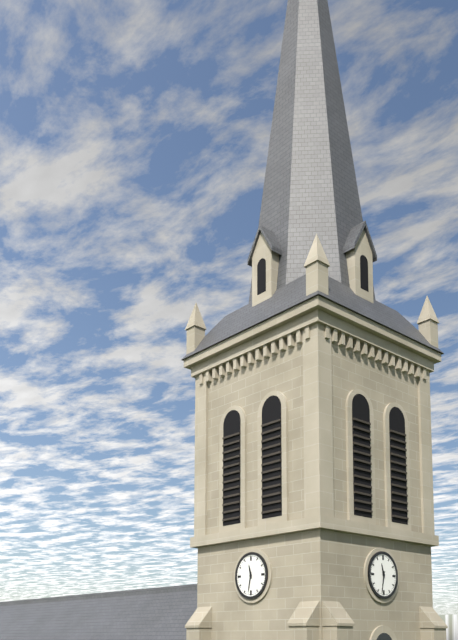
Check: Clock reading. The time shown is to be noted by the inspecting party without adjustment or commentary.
11:32
